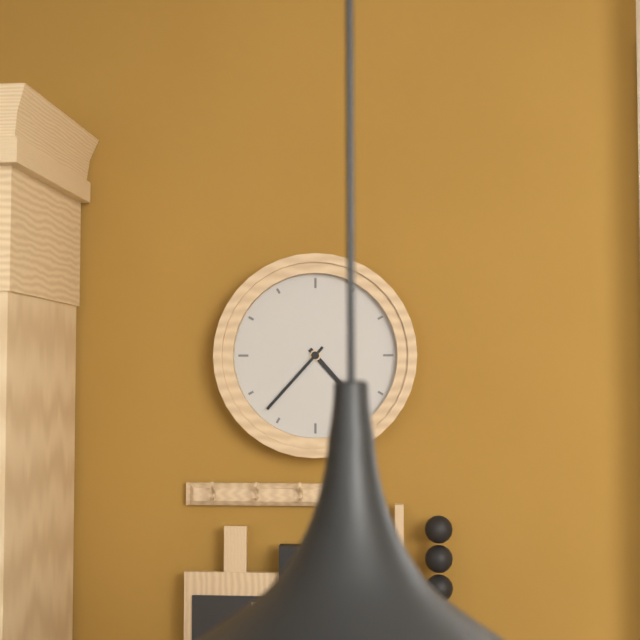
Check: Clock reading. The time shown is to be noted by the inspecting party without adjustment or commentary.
4:37
